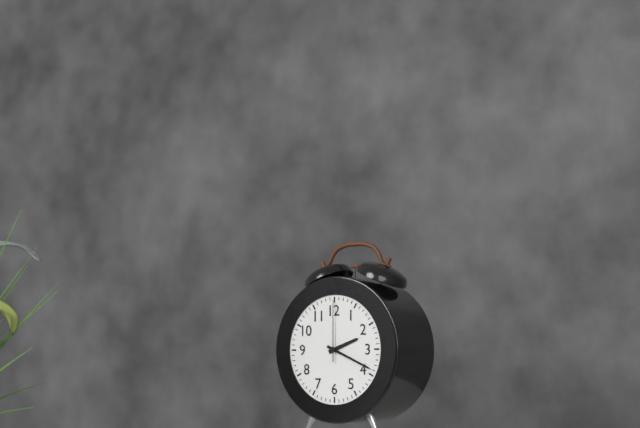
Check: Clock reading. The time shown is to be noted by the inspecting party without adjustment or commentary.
2:19:00
